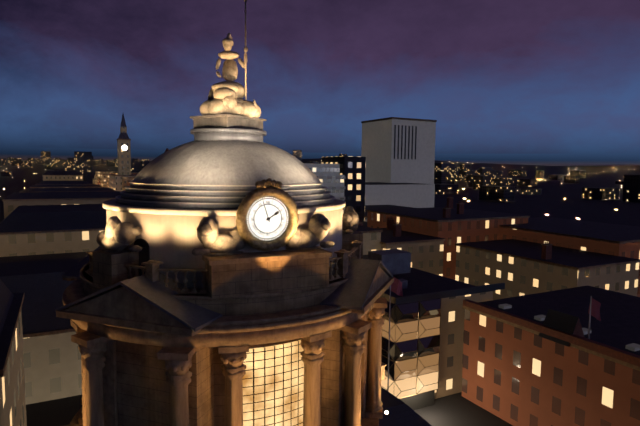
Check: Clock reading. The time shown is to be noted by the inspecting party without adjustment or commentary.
1:57
